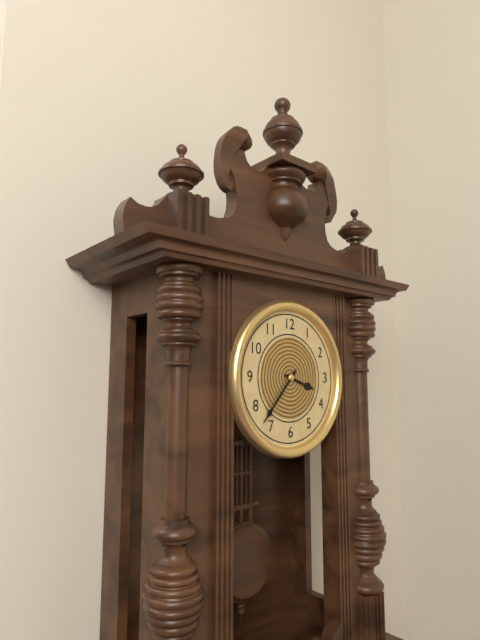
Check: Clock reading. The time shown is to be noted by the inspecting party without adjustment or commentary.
3:37
